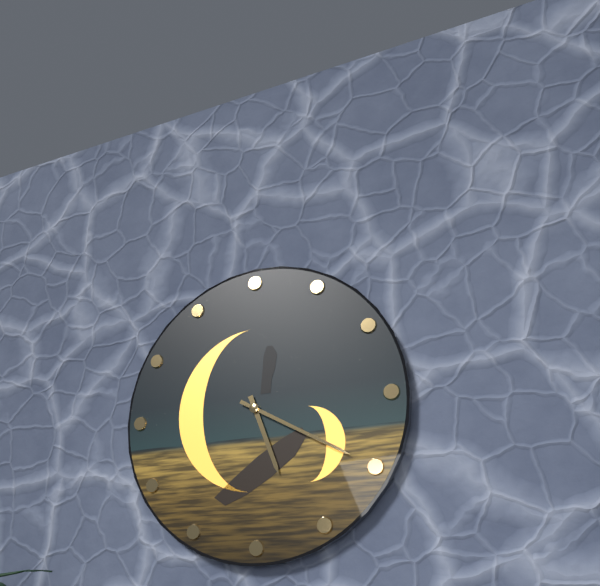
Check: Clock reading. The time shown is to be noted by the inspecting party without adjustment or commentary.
5:20
